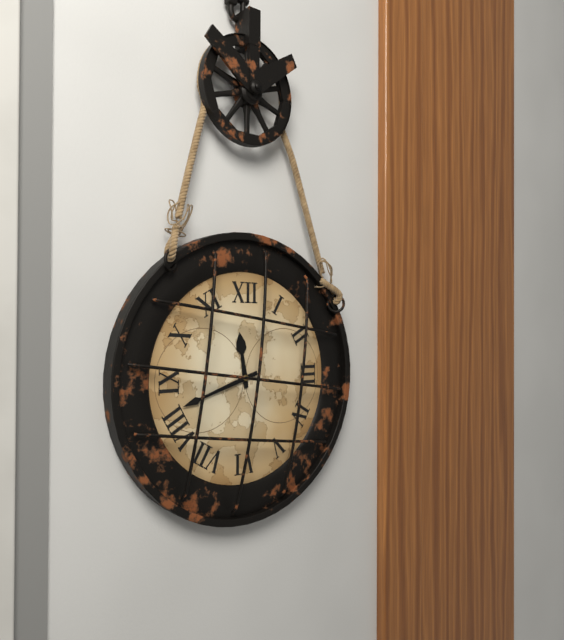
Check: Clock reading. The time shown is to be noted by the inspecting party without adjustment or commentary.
11:42
